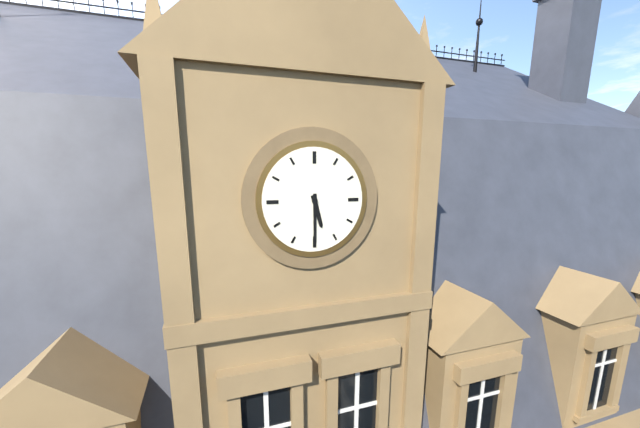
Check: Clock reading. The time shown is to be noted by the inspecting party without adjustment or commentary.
5:30
